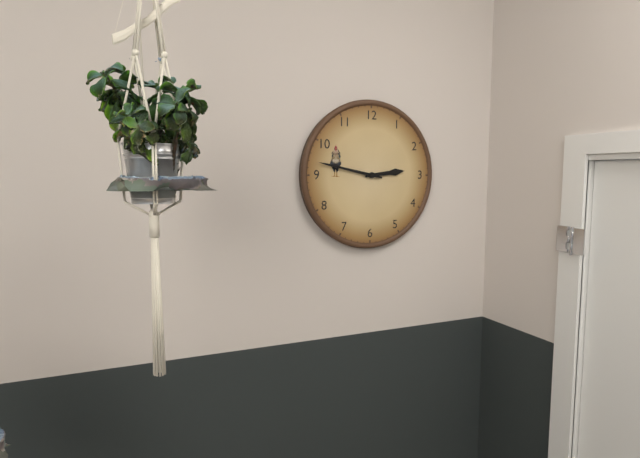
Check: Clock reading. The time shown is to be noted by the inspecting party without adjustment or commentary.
2:47
